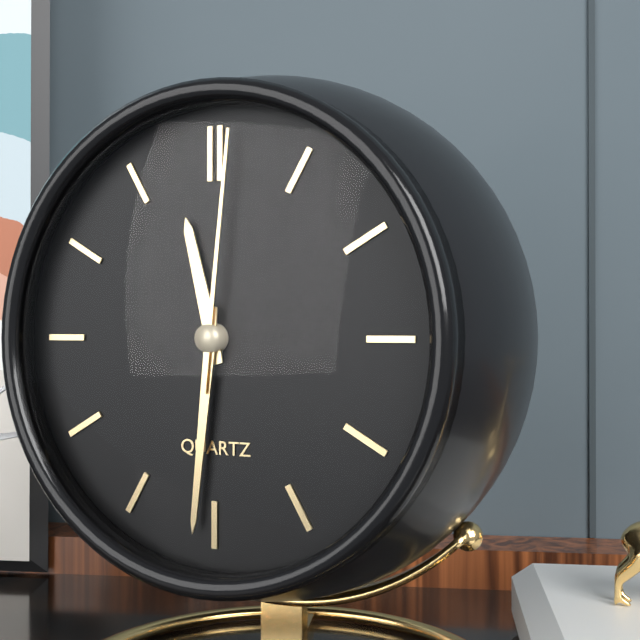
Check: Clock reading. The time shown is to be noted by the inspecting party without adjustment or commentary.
11:31:01
